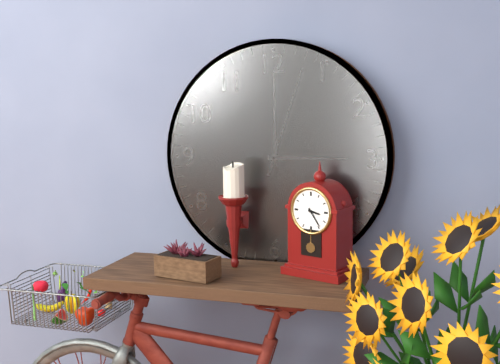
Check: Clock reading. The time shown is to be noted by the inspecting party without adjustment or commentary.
3:24
